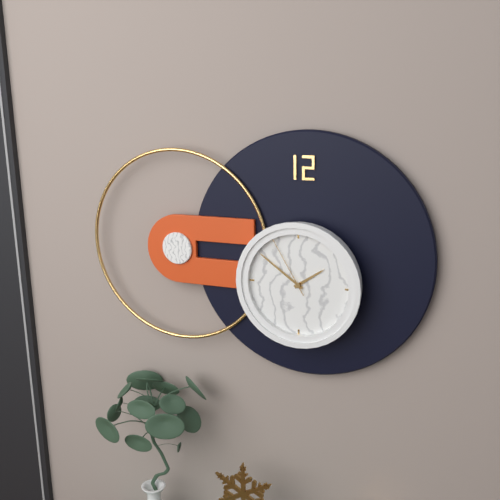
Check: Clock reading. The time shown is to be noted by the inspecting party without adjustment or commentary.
1:51:55
